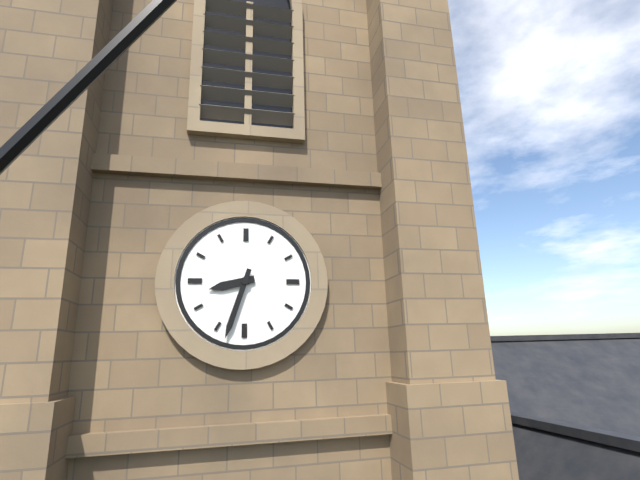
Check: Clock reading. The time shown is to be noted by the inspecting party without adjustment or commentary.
8:33
